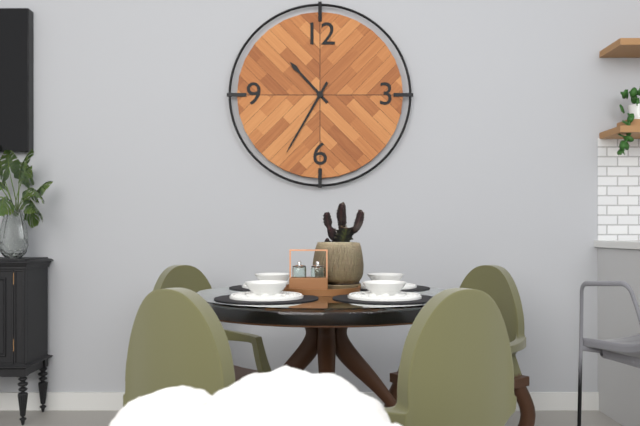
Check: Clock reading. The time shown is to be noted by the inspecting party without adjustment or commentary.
10:35
